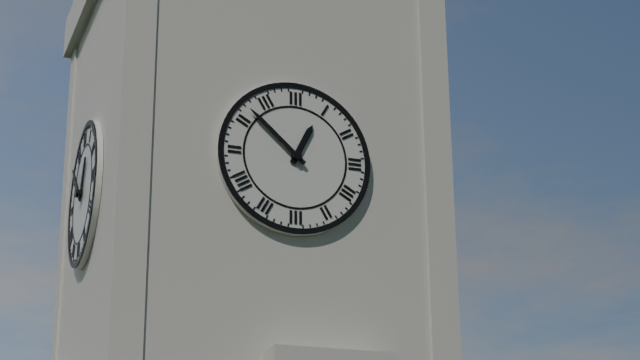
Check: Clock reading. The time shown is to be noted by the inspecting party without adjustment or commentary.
12:52
